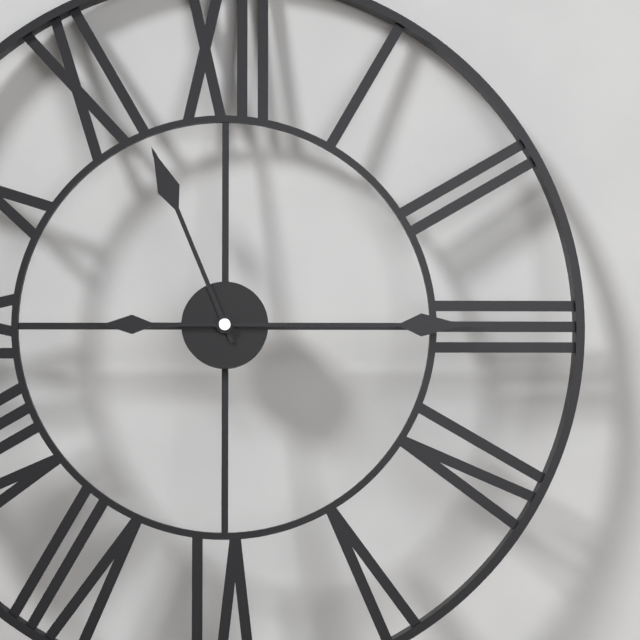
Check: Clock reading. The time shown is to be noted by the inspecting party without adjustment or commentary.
11:15
